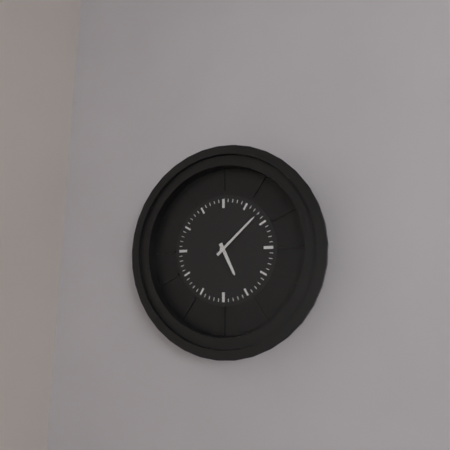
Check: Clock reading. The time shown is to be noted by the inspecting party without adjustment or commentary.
5:08
